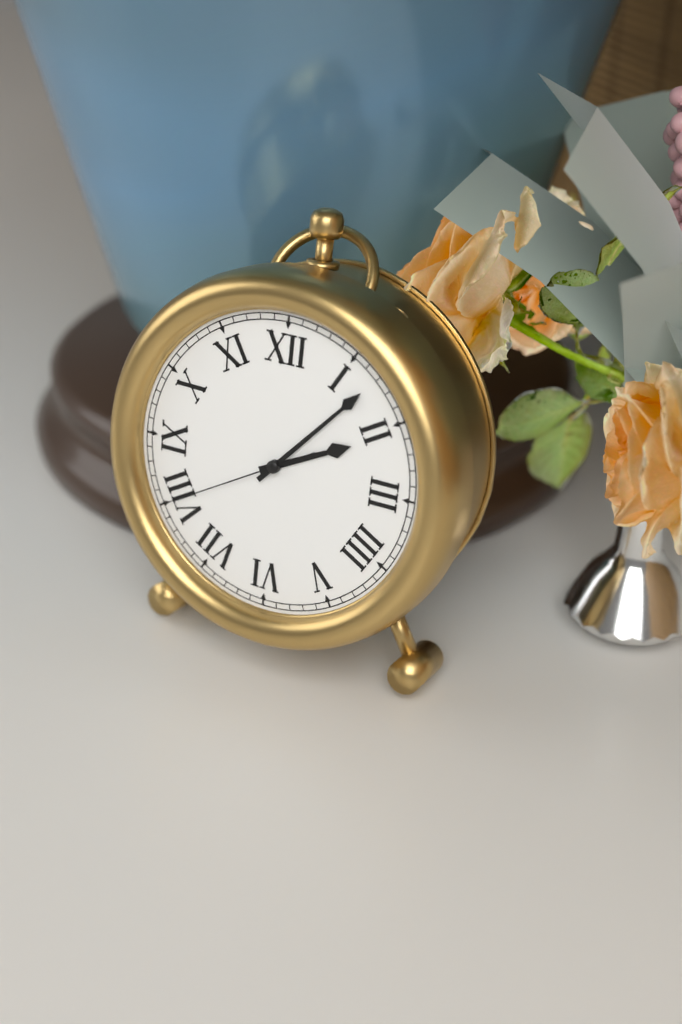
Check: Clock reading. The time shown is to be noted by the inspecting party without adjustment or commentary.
2:07:40
